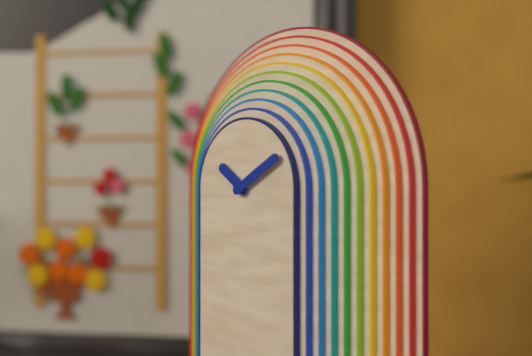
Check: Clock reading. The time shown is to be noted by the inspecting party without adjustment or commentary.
10:10
